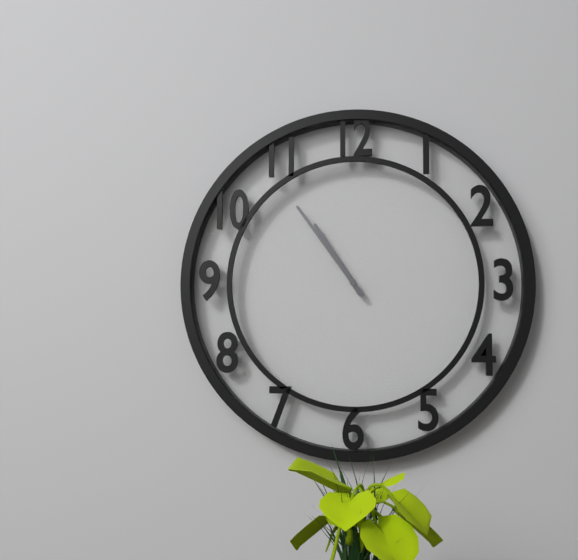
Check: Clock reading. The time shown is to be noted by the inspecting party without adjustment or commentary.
10:54
